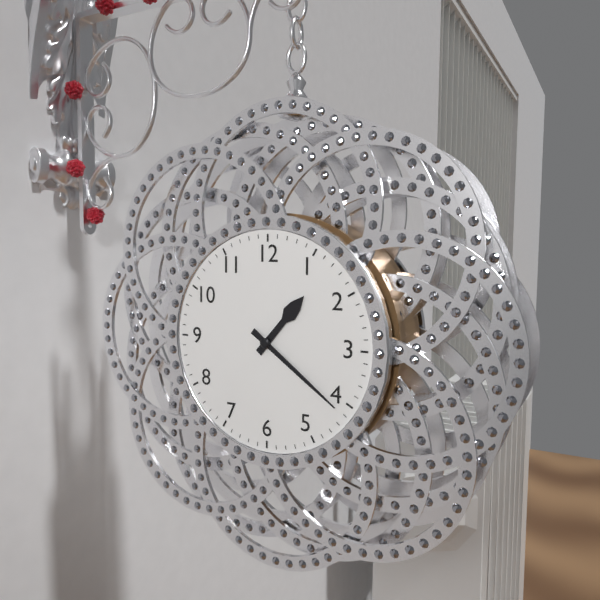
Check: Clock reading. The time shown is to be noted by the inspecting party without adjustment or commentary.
1:21
